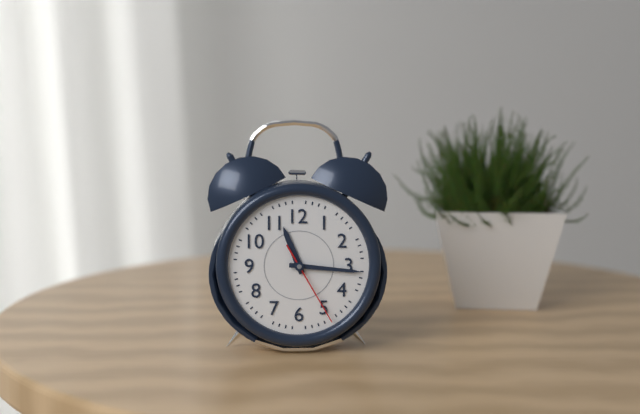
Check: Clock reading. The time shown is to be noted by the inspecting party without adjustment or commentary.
11:16:25
